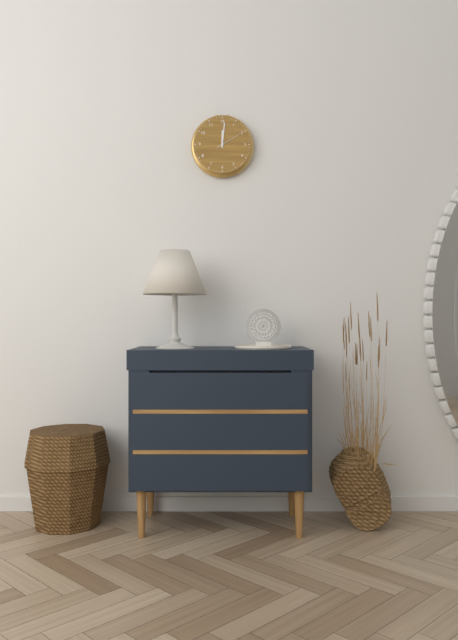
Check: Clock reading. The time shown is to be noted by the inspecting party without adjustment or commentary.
12:01
